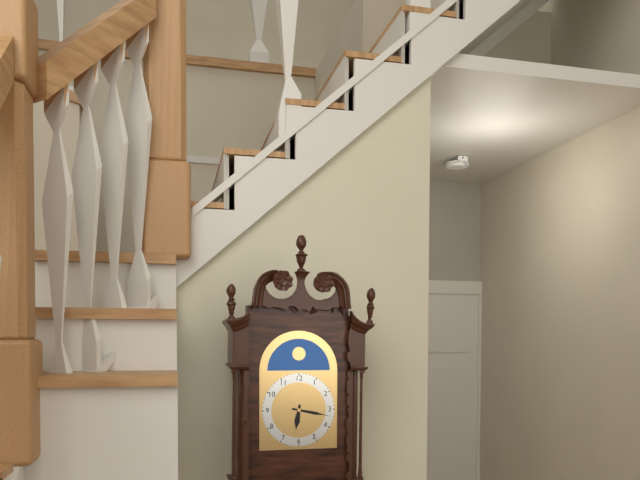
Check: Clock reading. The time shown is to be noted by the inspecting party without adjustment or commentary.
6:17
